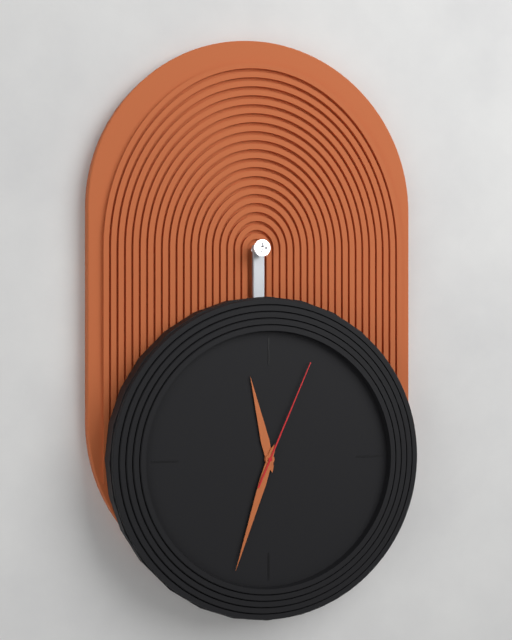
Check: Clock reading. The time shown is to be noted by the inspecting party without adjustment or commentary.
11:33:04
